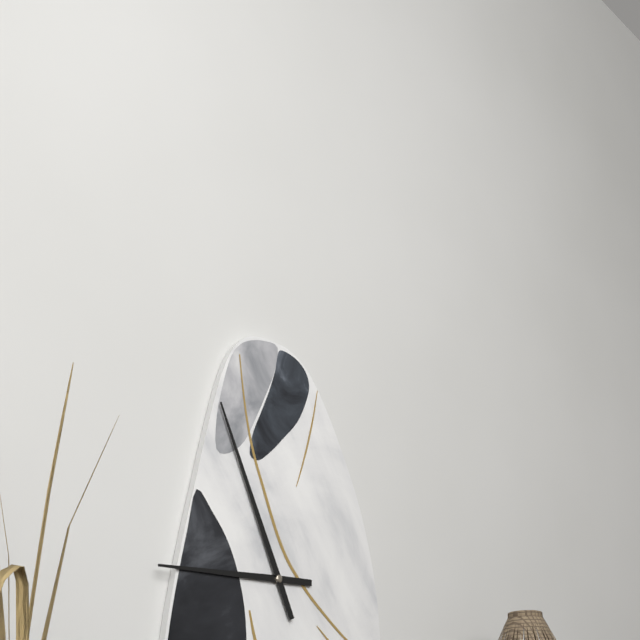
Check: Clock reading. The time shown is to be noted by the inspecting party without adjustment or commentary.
8:56
